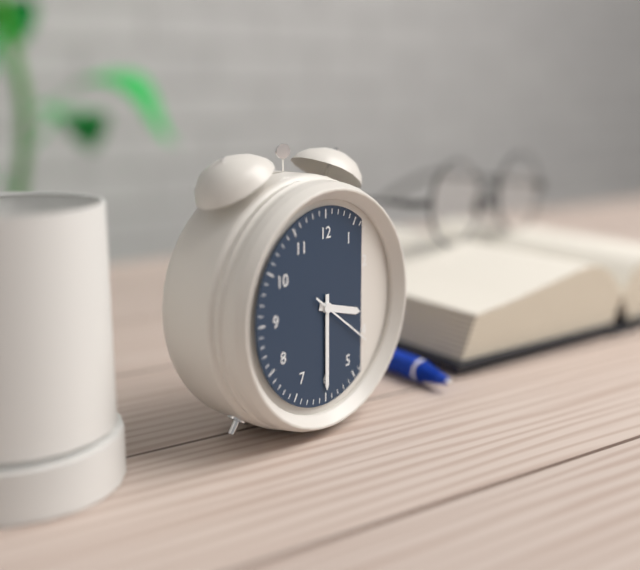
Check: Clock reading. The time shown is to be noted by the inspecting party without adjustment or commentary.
3:30:21
